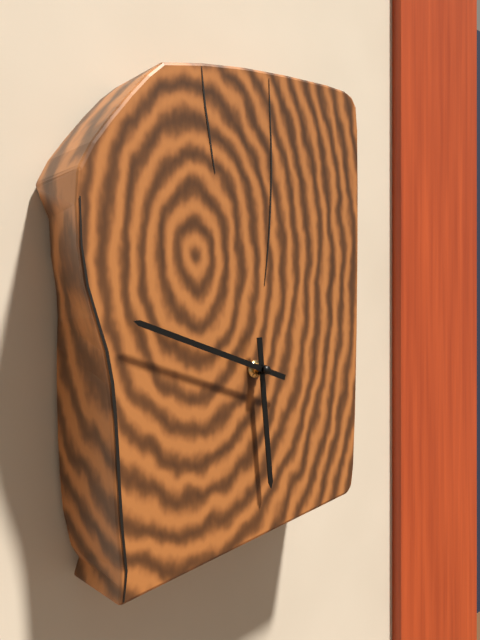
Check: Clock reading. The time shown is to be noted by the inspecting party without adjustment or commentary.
5:48
